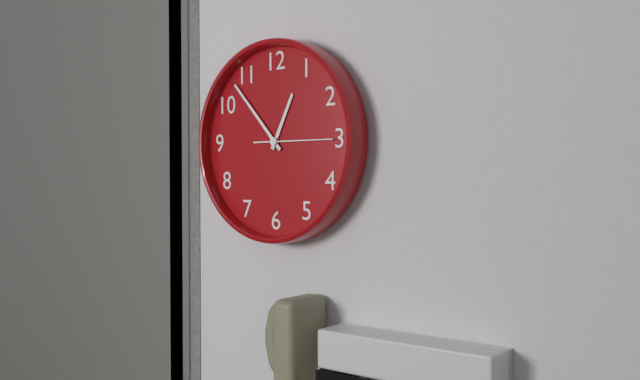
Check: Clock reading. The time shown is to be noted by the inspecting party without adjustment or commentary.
12:53:15
